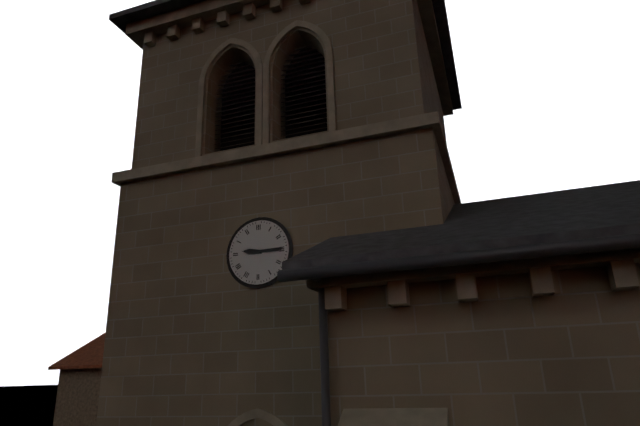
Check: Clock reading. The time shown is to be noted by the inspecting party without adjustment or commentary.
9:15
